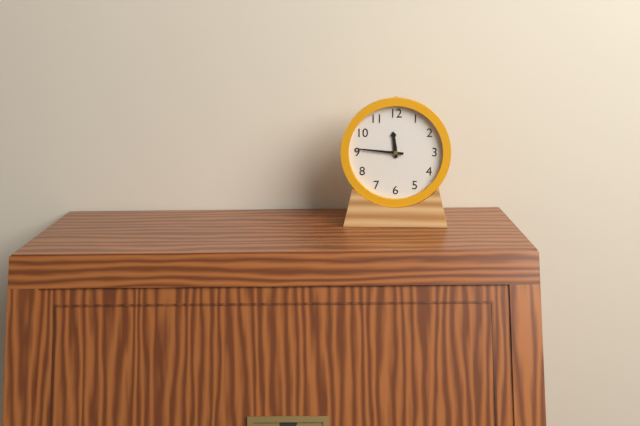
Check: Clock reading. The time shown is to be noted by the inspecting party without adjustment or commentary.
11:46
